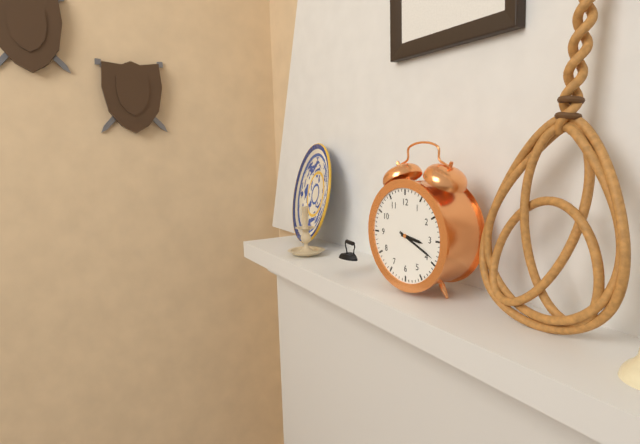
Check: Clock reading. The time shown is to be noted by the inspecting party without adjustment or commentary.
3:19
